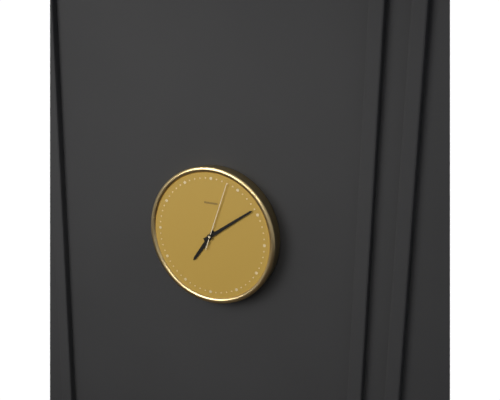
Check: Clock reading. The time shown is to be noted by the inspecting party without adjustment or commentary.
7:09:03
